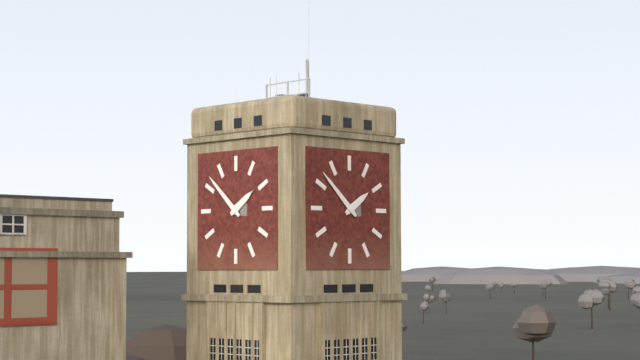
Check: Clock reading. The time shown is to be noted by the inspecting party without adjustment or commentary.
1:52
